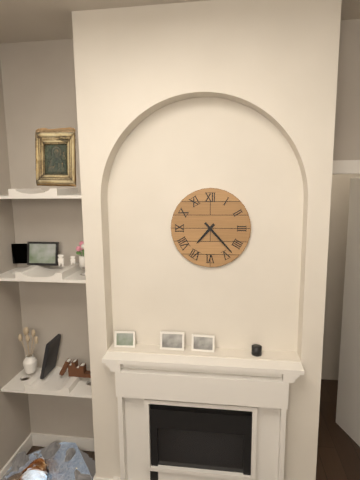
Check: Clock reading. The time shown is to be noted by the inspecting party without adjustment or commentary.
7:23
